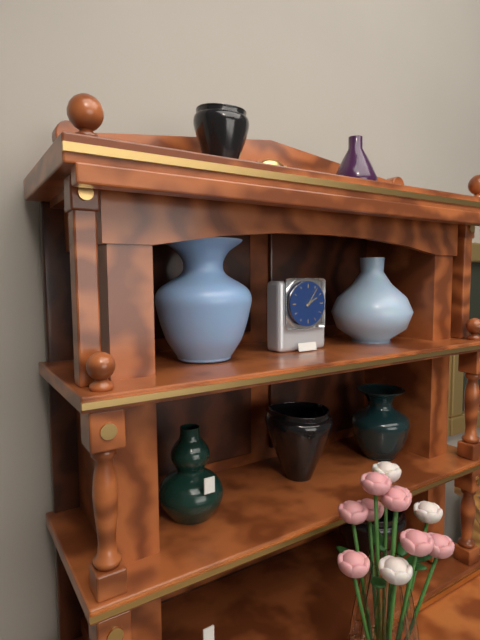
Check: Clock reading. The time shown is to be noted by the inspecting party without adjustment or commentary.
2:06
